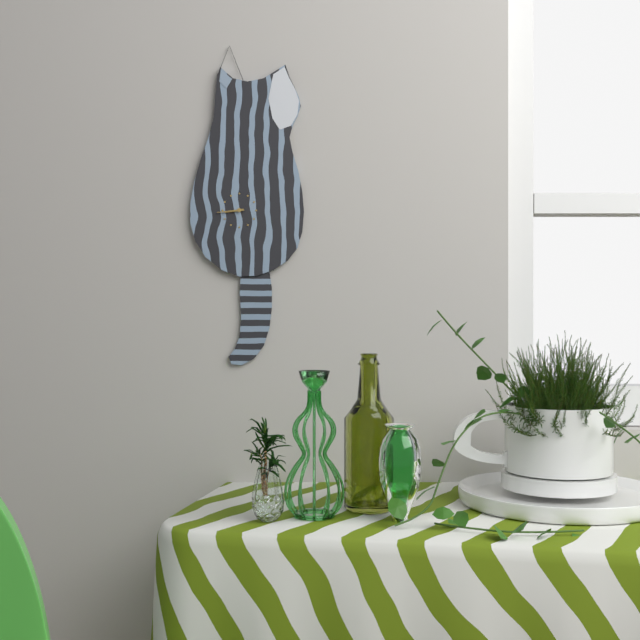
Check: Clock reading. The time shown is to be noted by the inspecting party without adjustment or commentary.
8:44
